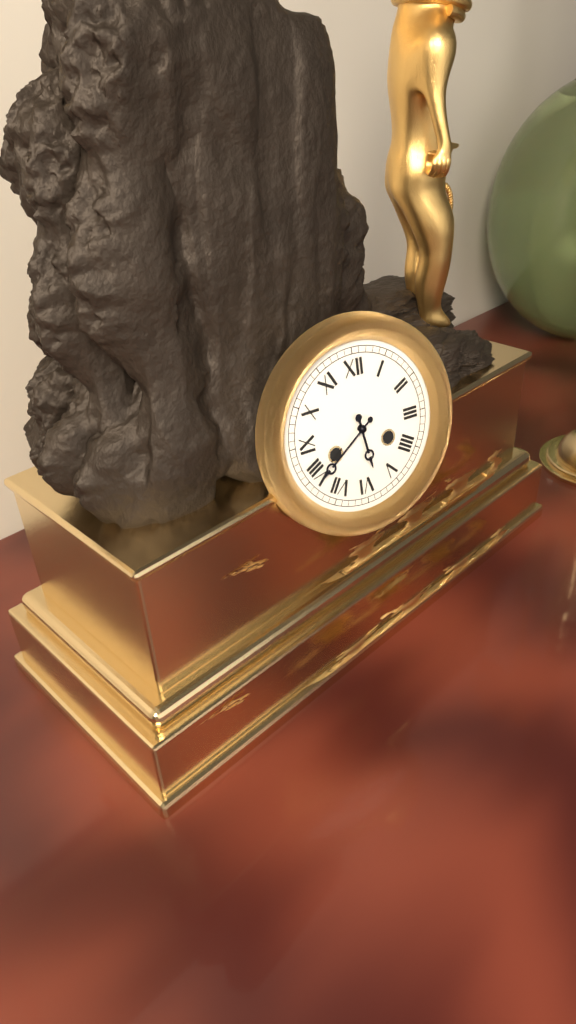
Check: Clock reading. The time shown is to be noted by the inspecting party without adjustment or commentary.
5:39
